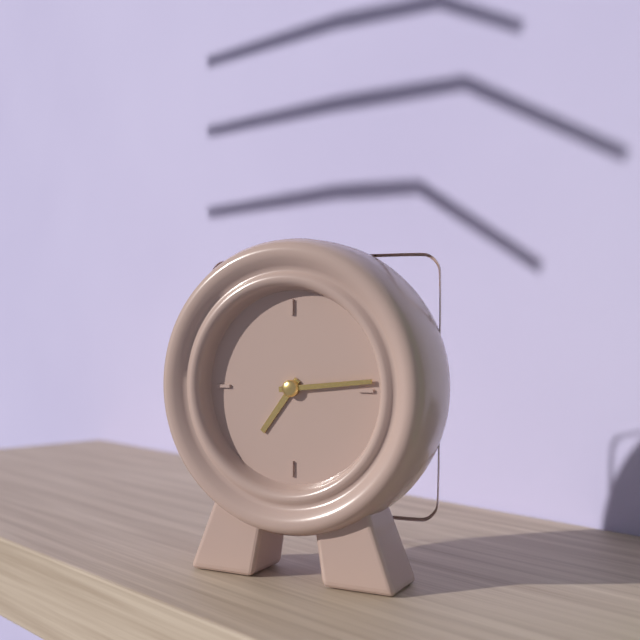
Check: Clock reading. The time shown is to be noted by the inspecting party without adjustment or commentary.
7:14
